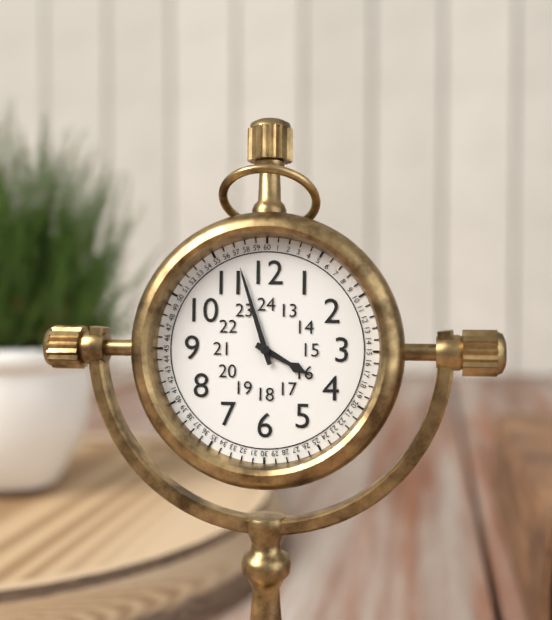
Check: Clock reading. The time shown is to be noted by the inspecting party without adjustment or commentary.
3:57
